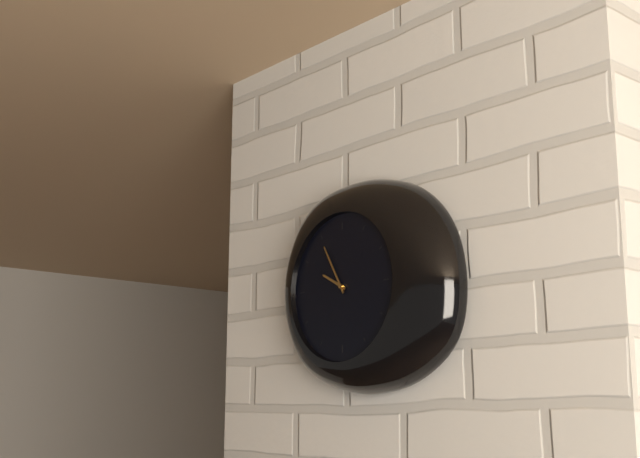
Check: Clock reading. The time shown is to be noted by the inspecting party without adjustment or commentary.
9:55
